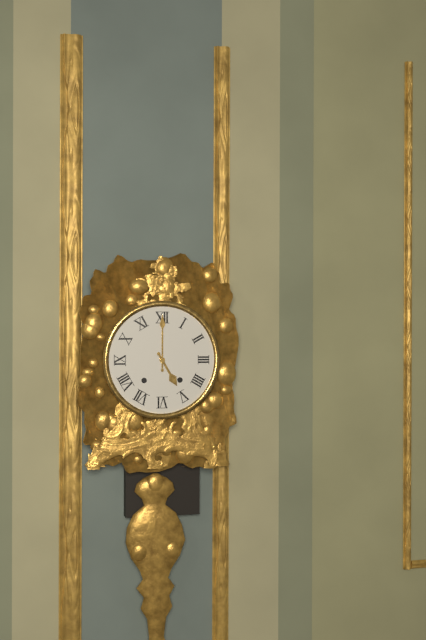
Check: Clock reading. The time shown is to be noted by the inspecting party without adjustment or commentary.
5:00
